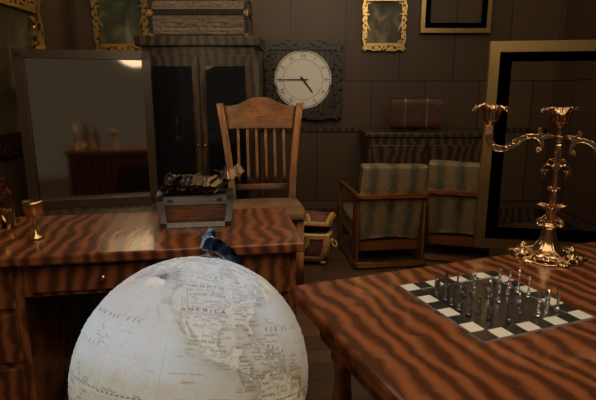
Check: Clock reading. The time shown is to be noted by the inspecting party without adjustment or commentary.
4:45
